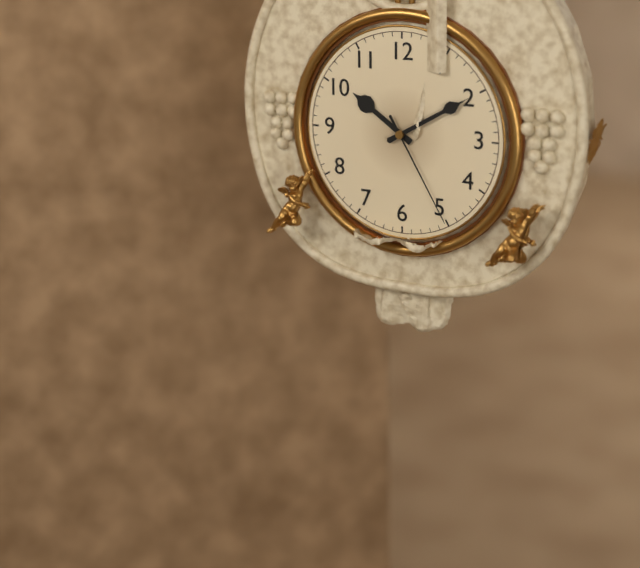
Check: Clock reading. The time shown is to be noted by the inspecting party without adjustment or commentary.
10:10:25
